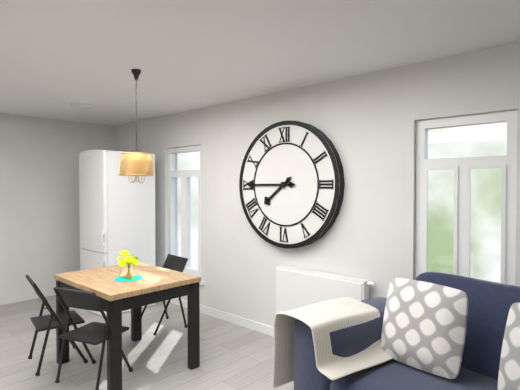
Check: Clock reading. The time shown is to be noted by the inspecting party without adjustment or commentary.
7:45
